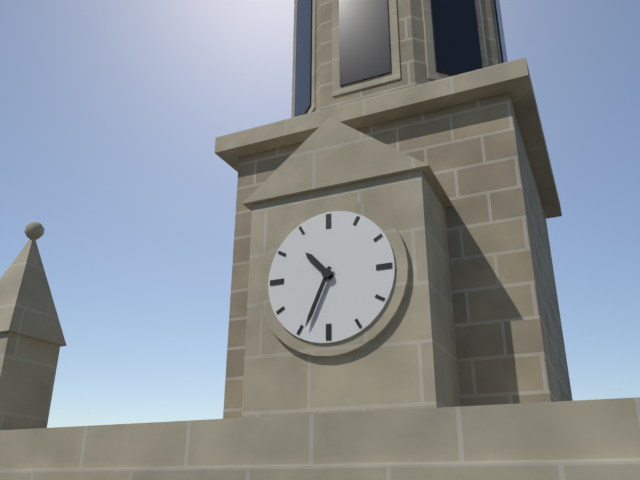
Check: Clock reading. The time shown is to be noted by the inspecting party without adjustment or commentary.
10:34
